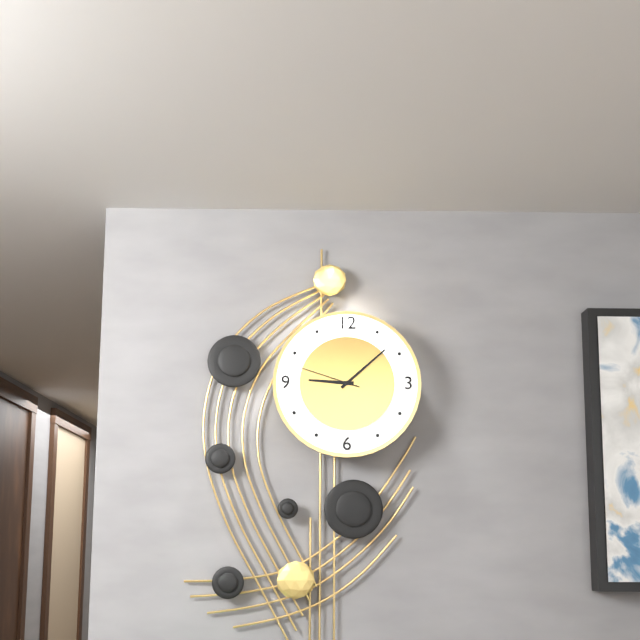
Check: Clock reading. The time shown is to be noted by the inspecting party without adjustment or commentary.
9:08:48
